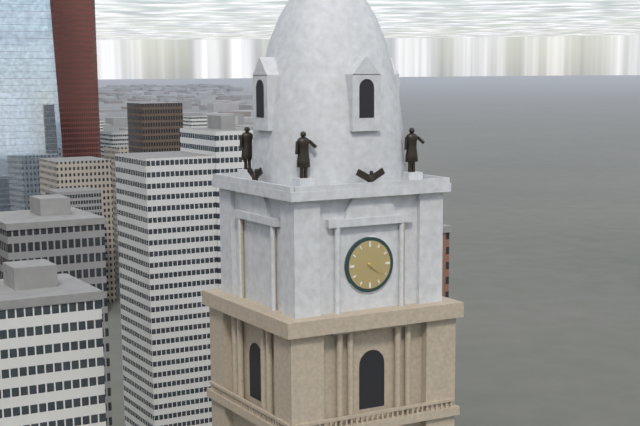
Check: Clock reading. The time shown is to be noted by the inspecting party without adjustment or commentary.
4:20
